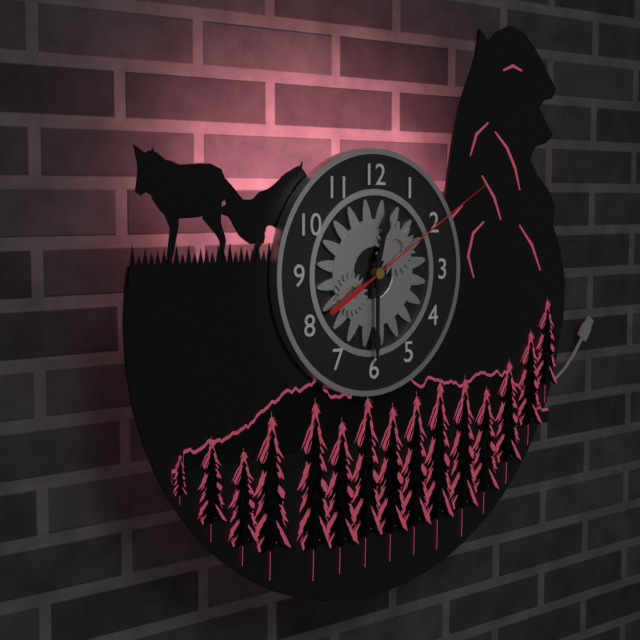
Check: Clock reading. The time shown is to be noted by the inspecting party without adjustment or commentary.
12:30:10
